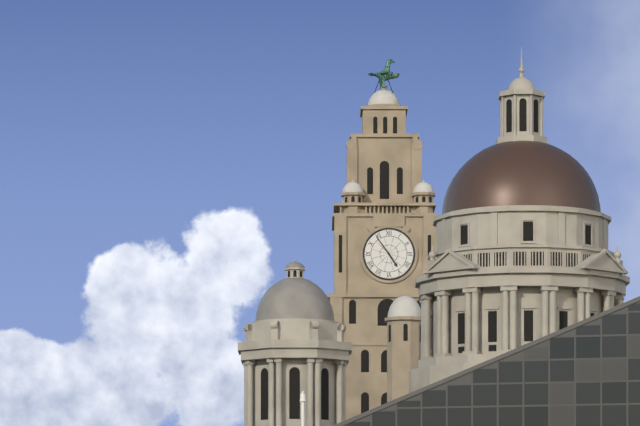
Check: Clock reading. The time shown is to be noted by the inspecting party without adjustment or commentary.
4:54
